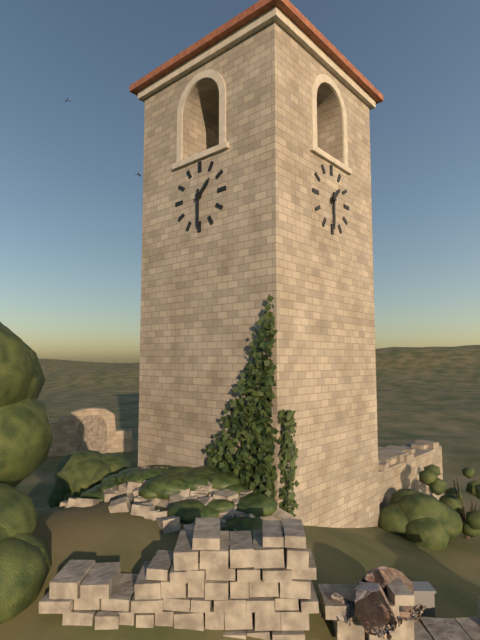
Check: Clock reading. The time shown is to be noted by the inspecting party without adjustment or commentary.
1:30
